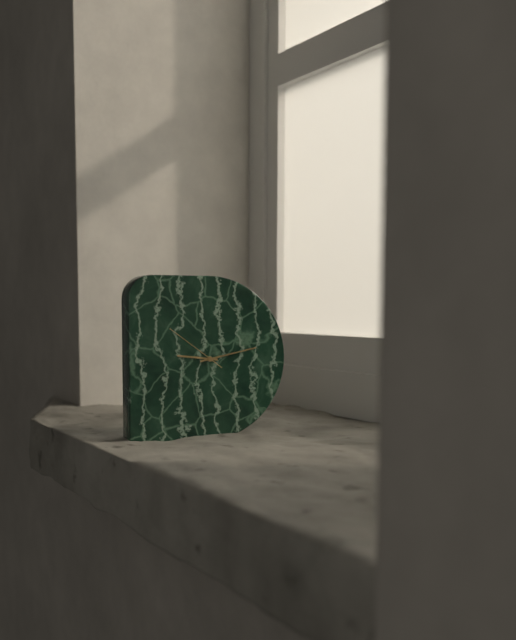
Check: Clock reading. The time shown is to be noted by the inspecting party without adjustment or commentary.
9:13:51
